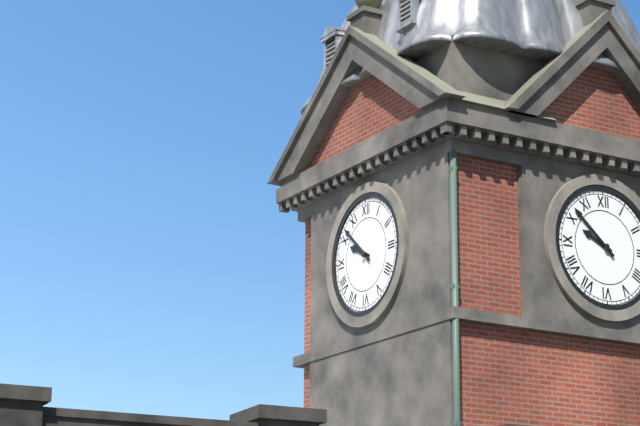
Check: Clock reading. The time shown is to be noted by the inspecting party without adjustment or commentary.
9:52
